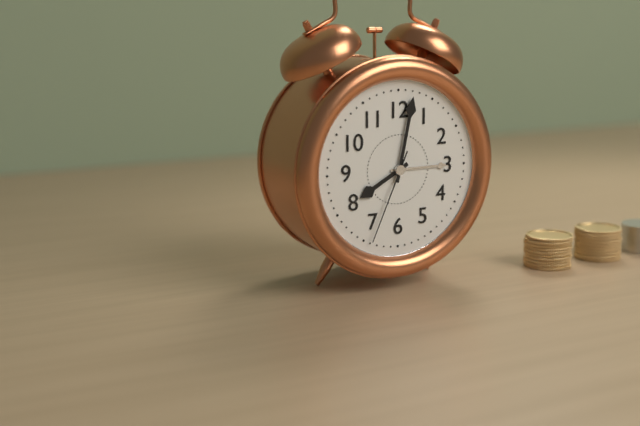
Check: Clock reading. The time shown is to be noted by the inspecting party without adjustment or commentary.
8:02:34
